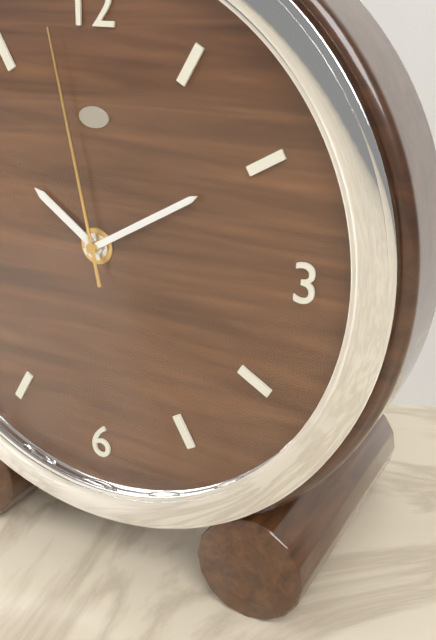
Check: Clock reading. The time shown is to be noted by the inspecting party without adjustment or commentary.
10:10:58
